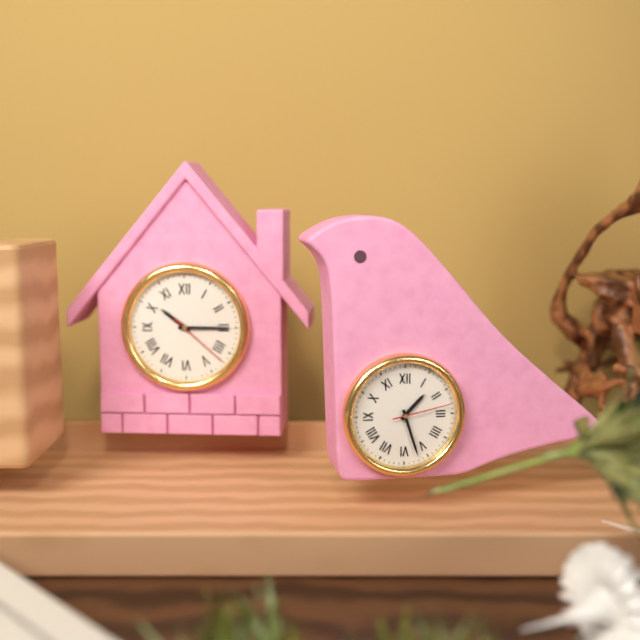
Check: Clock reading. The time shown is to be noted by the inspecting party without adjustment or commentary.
1:27:13
